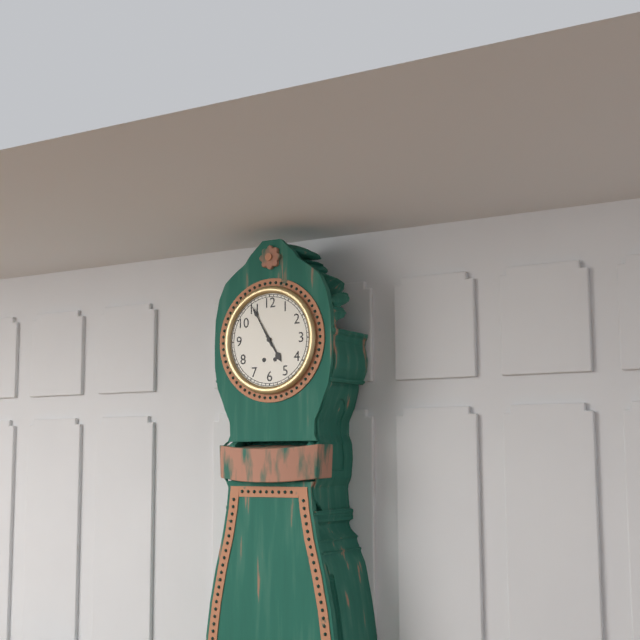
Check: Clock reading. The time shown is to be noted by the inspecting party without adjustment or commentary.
4:55
